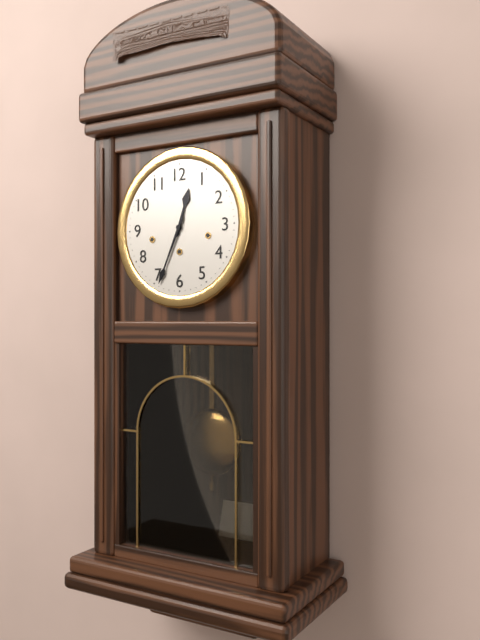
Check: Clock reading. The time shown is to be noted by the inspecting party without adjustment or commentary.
12:34
